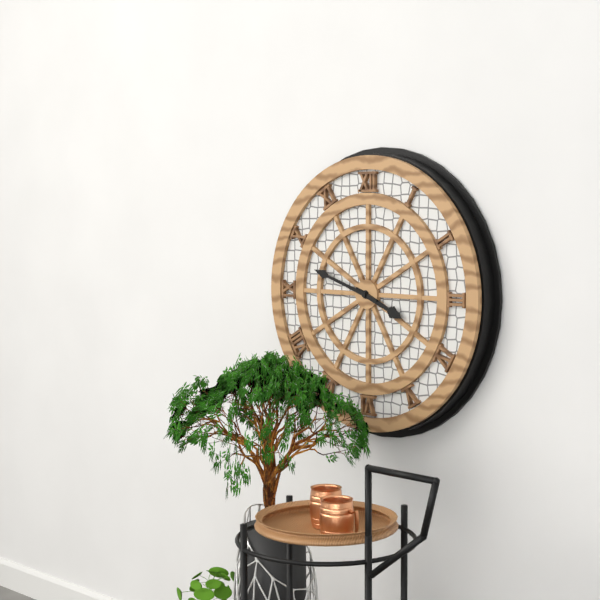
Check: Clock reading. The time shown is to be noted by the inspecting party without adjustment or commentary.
3:48
